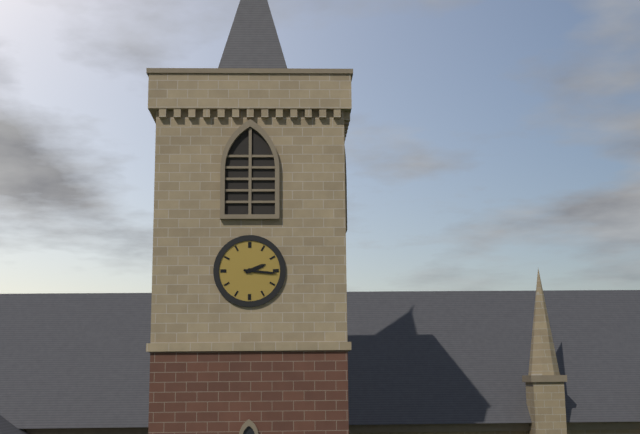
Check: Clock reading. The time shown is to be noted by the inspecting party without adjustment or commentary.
2:16
